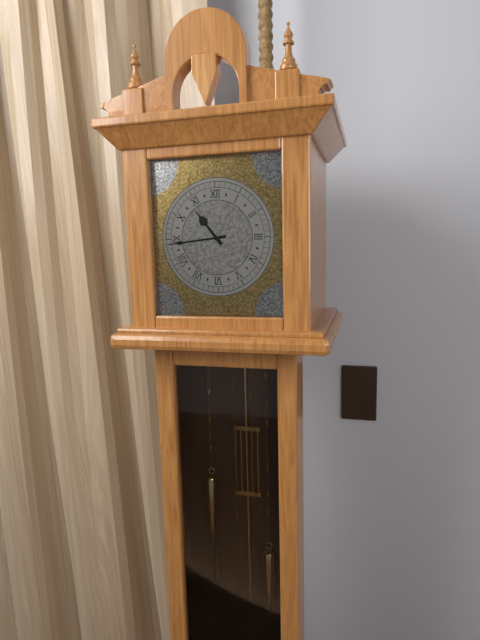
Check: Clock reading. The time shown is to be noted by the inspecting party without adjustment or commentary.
10:44
